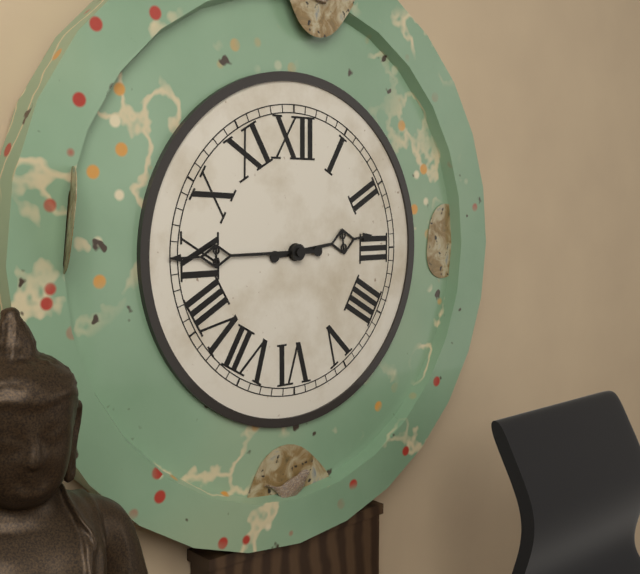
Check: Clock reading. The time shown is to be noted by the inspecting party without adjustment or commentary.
2:45
